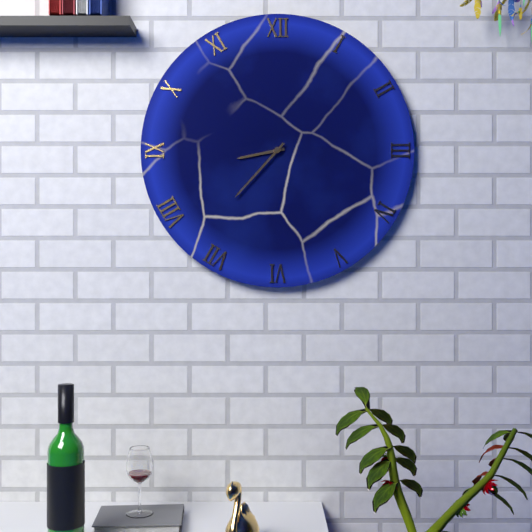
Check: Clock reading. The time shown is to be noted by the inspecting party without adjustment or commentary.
8:37
